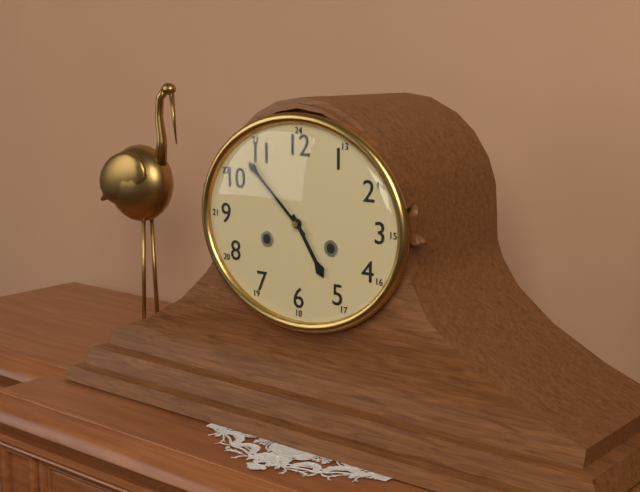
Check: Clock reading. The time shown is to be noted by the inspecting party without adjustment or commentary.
4:52
